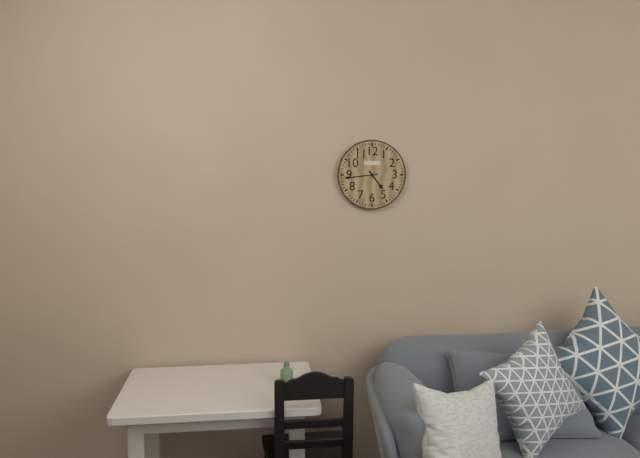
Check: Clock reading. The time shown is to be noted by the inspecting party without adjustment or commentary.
4:44
